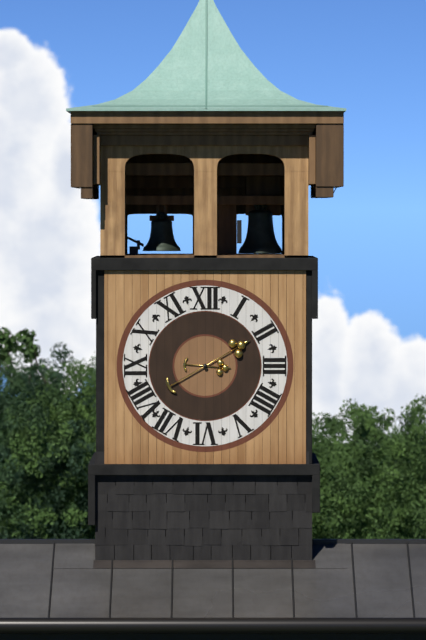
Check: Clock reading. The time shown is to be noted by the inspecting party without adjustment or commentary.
3:10
